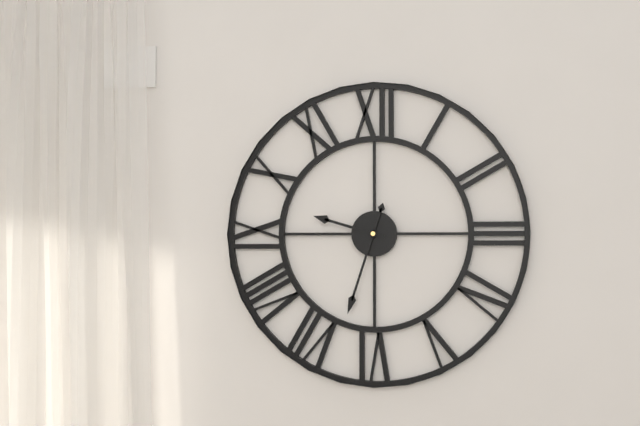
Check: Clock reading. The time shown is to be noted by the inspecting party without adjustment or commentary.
9:33
